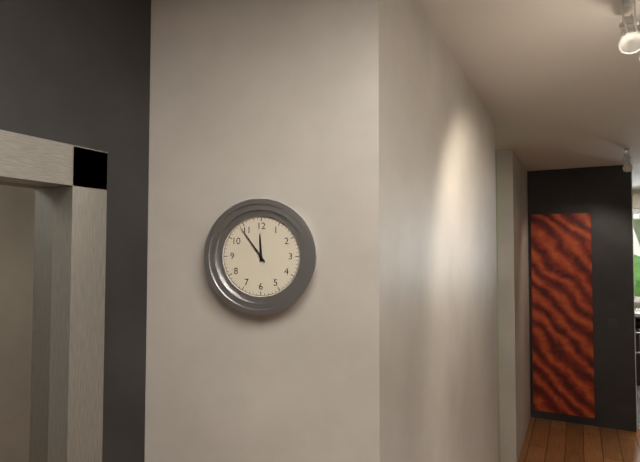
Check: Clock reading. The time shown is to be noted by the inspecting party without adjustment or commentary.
11:54
